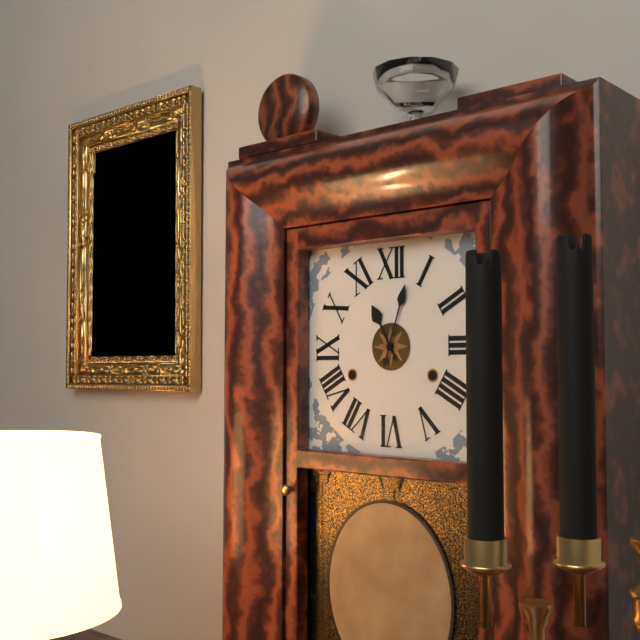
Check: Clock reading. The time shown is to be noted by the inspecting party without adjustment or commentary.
11:03
